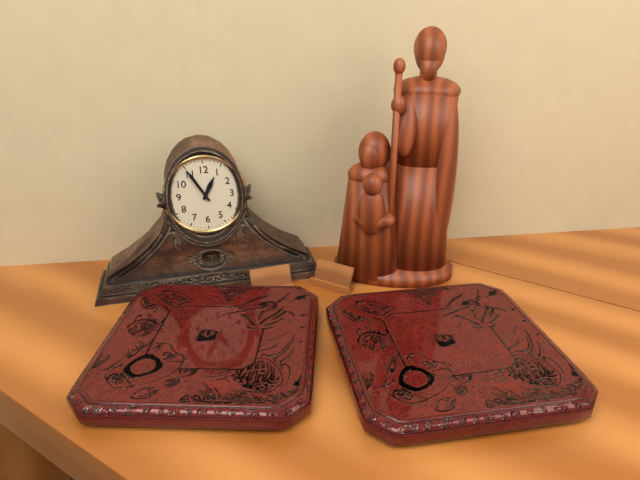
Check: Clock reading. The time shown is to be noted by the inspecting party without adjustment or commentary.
12:55
